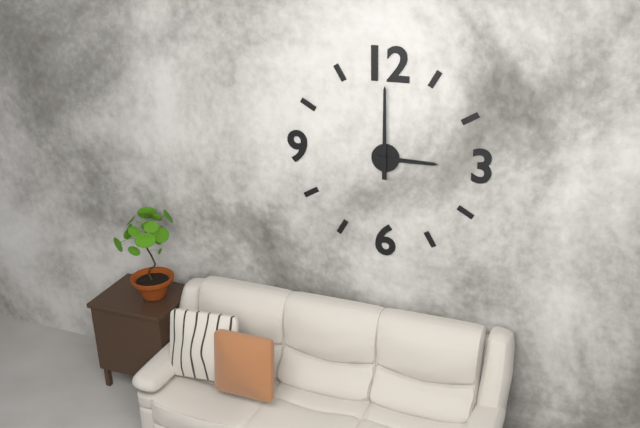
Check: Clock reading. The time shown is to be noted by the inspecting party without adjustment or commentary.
3:00
